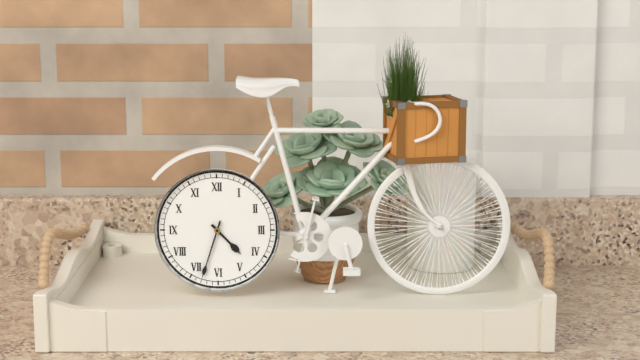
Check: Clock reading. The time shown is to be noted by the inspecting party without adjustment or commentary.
4:33
